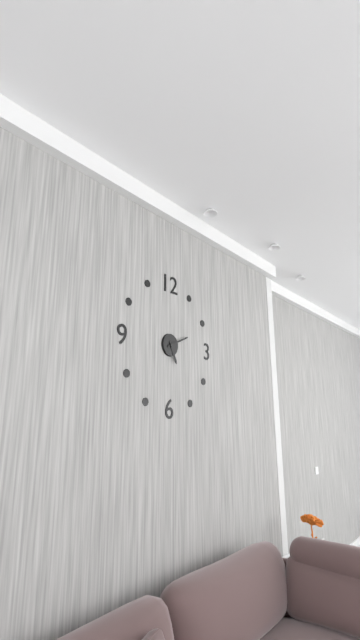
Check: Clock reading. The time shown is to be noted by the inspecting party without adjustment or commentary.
5:11
